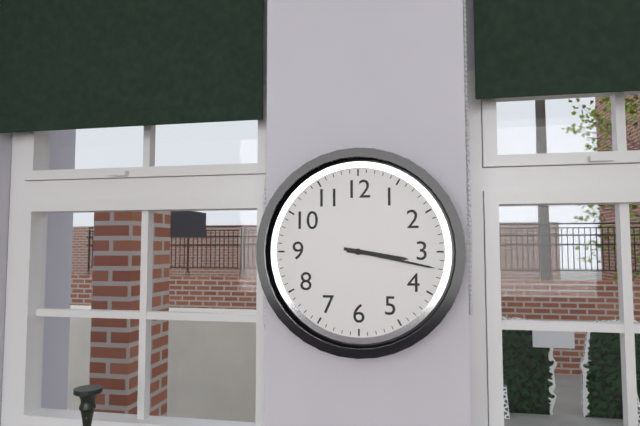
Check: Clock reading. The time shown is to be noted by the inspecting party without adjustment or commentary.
3:17
